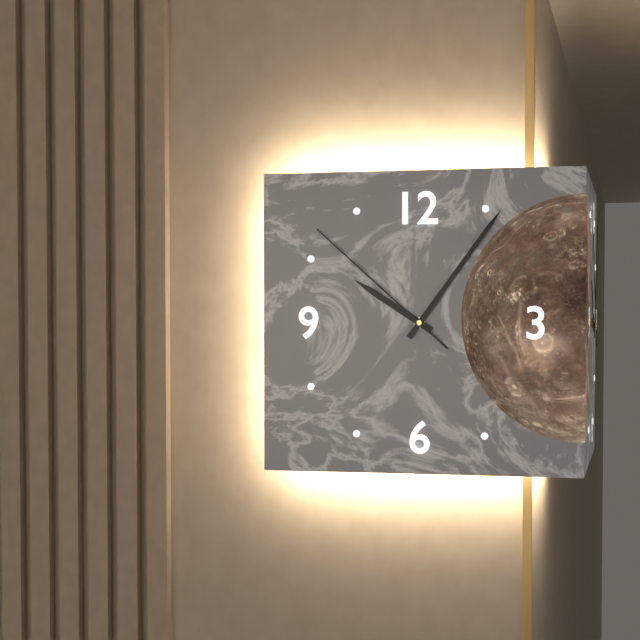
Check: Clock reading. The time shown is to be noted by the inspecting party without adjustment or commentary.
10:06:52
